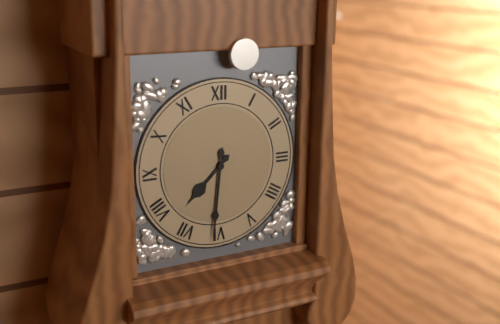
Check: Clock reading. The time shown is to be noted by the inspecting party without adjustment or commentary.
7:31
